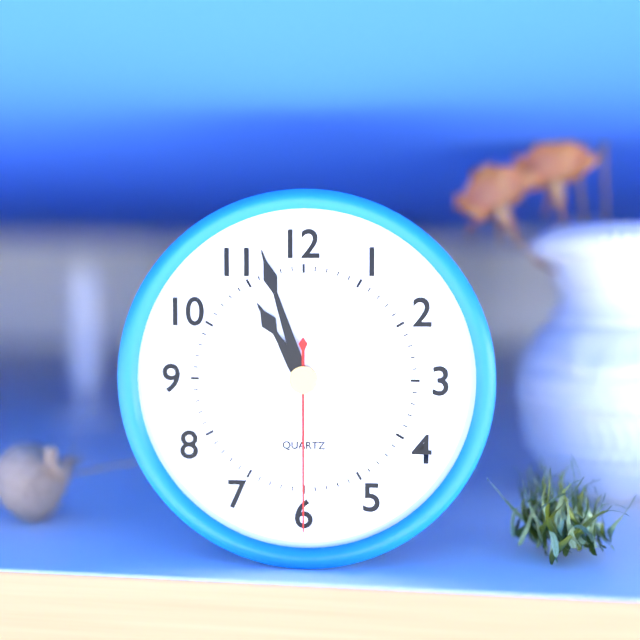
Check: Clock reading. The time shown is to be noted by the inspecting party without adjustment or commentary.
10:57:30
